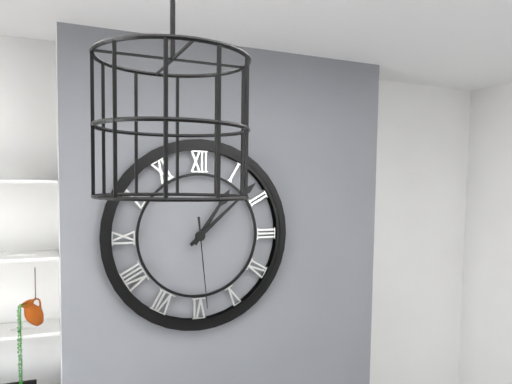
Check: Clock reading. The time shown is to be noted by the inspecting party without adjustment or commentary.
1:08:29
